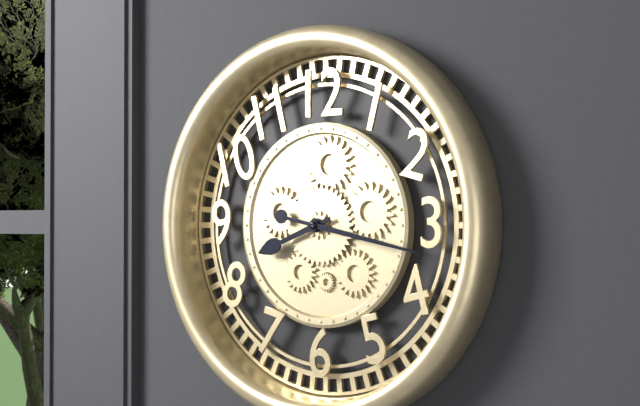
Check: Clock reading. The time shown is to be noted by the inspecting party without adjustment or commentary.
8:17
